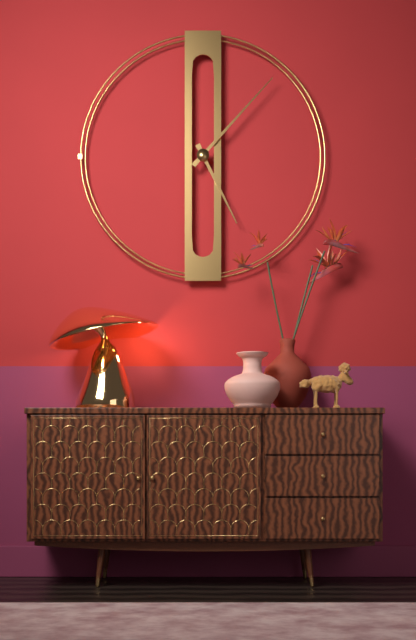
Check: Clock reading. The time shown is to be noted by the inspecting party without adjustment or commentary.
5:07
